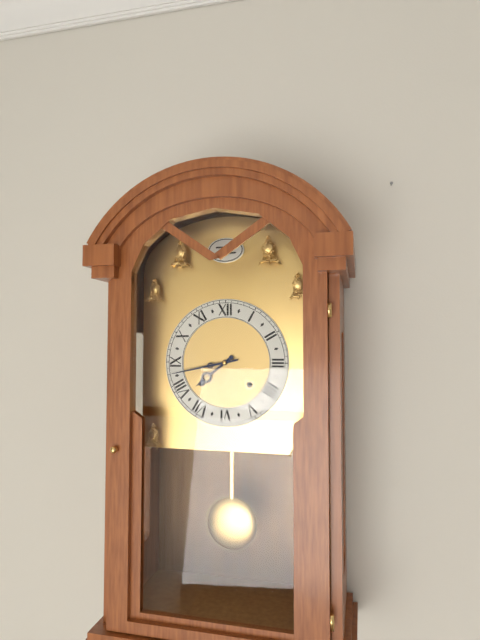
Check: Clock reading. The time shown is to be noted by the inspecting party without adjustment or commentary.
7:43
